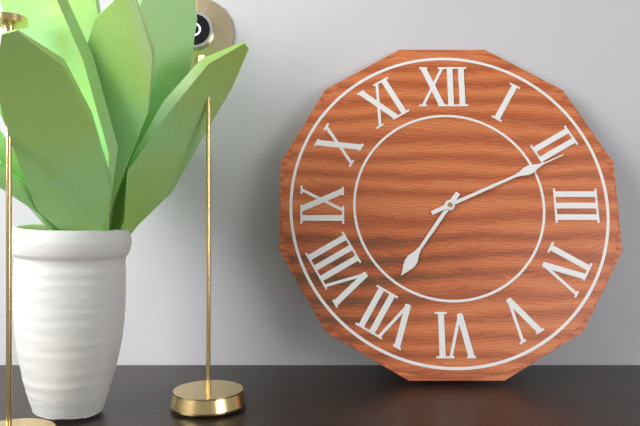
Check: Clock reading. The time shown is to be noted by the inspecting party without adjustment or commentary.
7:11
